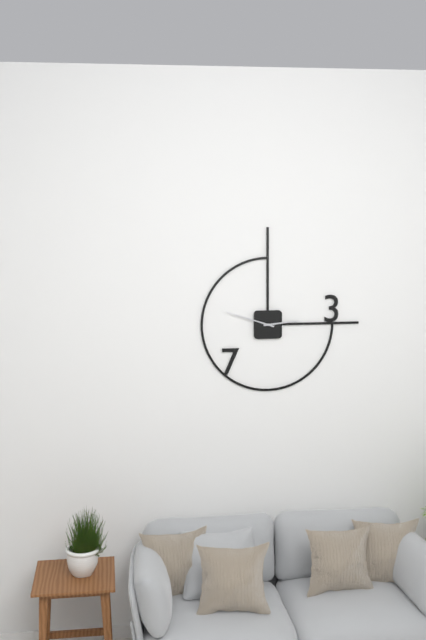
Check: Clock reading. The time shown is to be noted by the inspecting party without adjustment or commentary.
2:48
